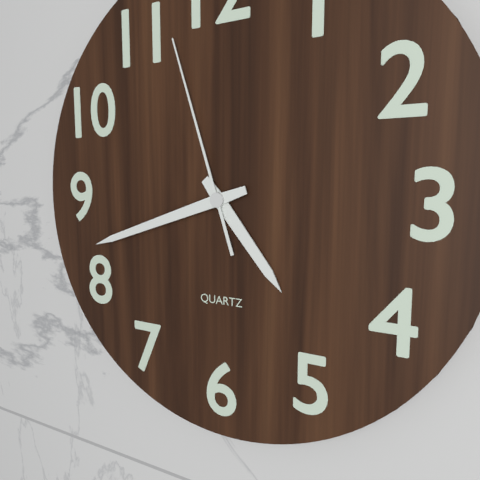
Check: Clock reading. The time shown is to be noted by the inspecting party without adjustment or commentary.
4:42:57
